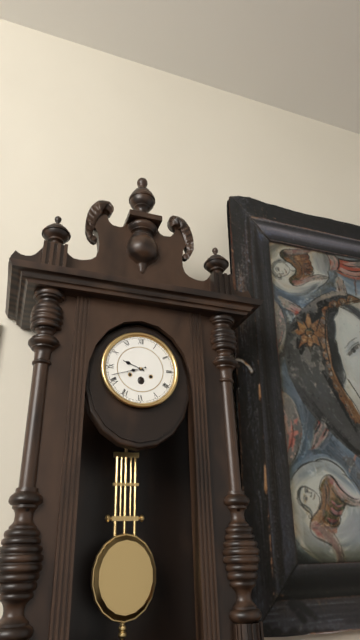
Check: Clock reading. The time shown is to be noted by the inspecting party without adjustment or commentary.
9:42
